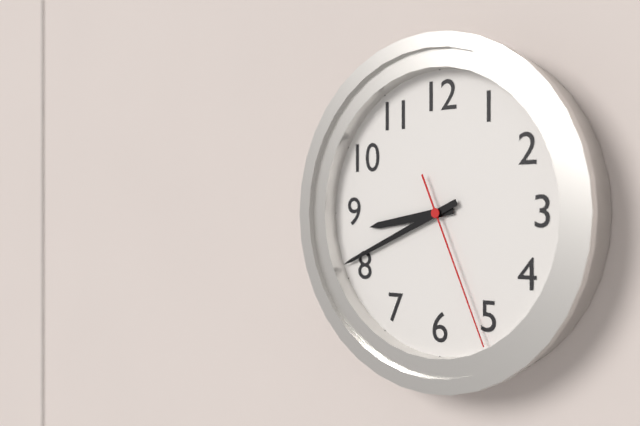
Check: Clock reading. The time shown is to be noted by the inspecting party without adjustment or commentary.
8:41:26
